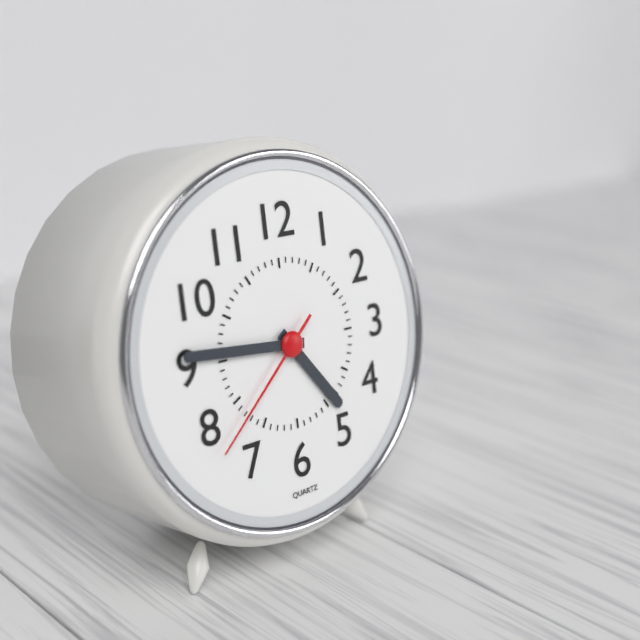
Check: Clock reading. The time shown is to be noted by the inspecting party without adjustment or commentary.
4:46:38
